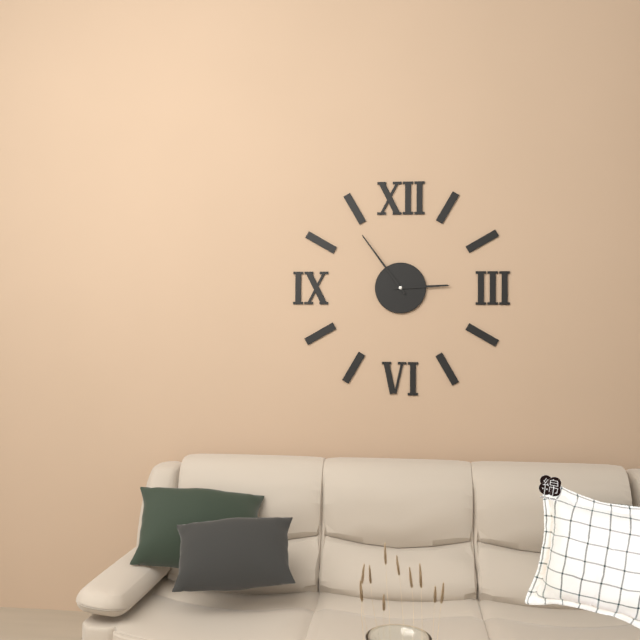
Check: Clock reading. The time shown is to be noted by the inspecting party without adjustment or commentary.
2:54
